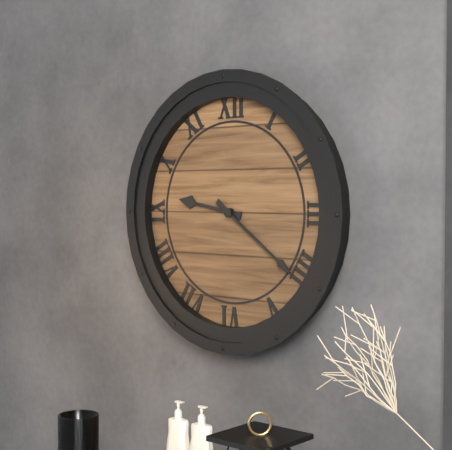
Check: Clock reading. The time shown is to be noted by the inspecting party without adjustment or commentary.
9:21
